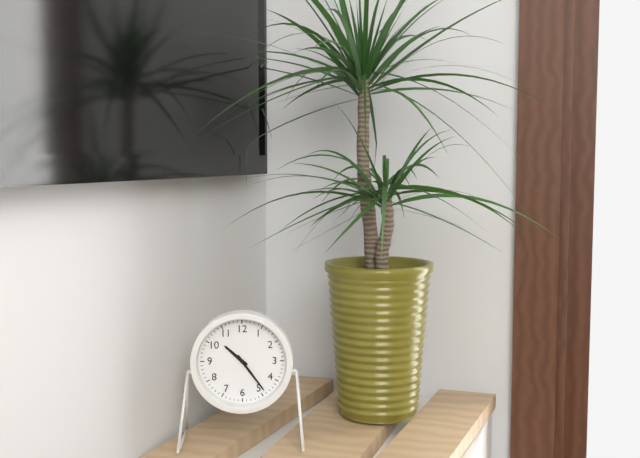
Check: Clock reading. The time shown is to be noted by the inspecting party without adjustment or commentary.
10:24
